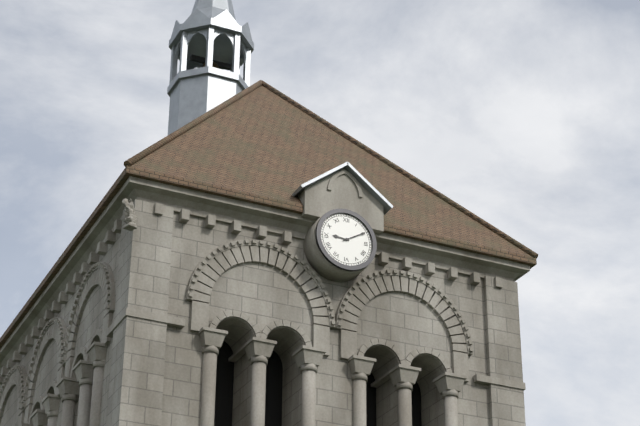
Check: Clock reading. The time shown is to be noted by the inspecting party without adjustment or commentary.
9:10
